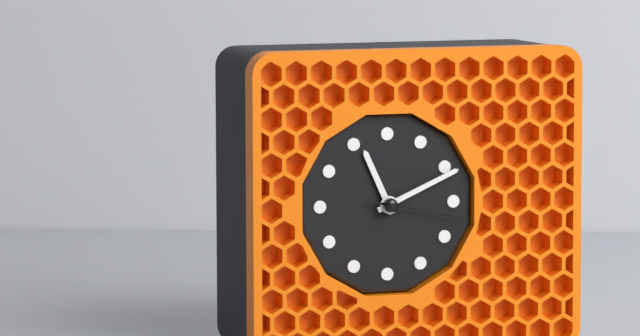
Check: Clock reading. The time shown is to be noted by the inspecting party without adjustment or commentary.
11:11:17
